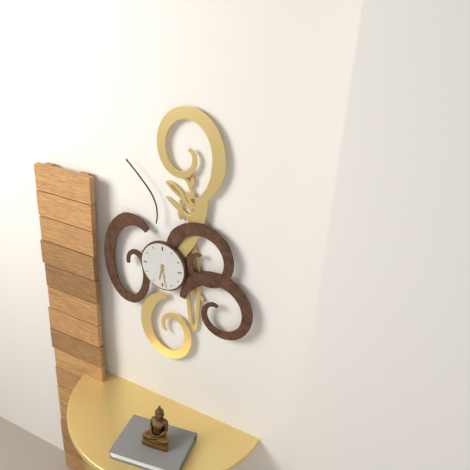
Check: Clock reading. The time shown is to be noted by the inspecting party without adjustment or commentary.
6:28
